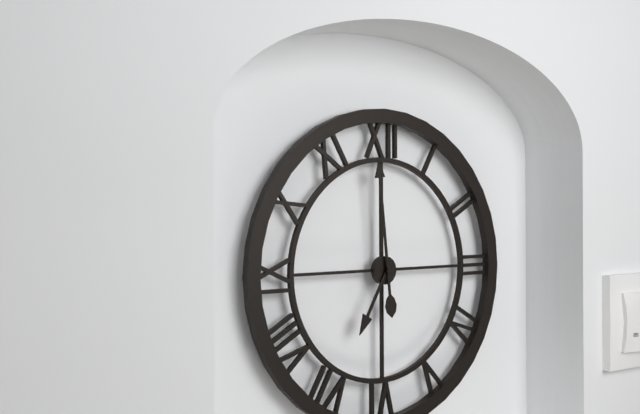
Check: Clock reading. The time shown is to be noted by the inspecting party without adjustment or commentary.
6:59
